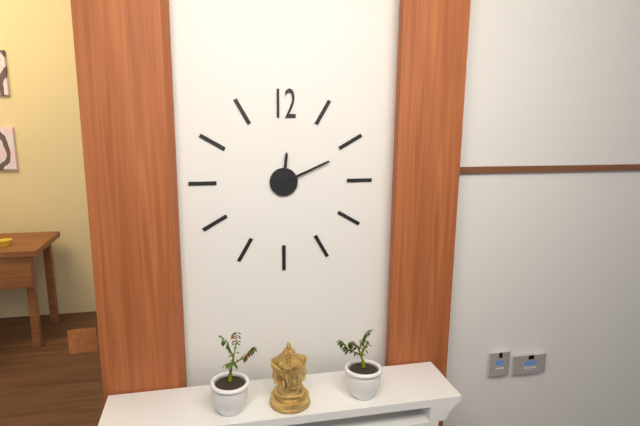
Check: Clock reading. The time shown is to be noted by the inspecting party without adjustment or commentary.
12:11
